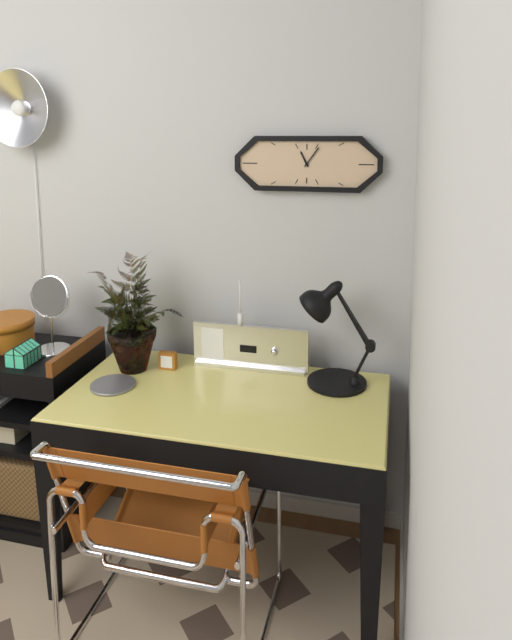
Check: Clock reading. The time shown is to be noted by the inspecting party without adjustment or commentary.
11:06
